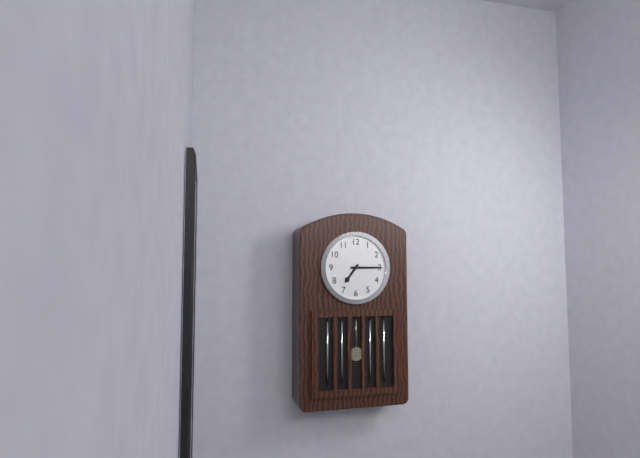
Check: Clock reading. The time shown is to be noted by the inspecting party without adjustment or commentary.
7:15
